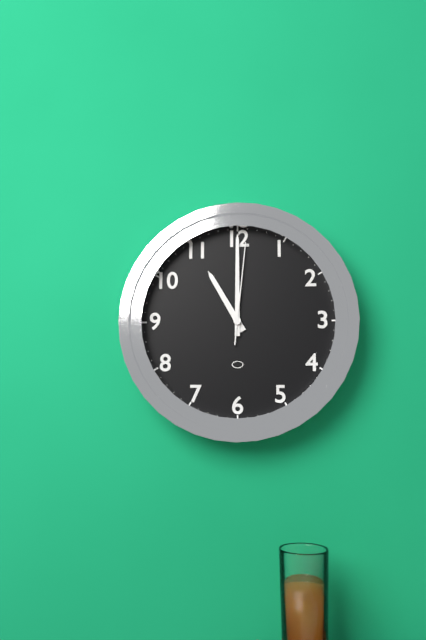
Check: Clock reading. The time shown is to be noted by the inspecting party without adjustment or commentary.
11:00:01
